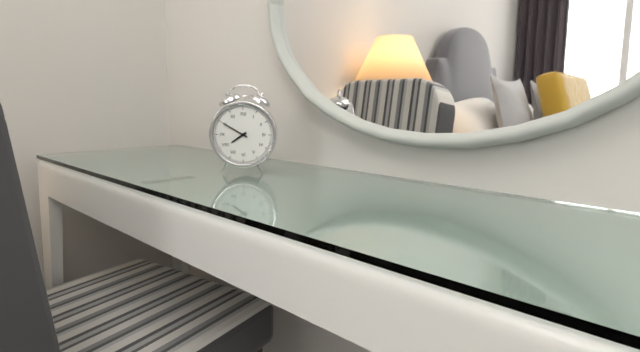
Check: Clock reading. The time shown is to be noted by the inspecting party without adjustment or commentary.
7:50
